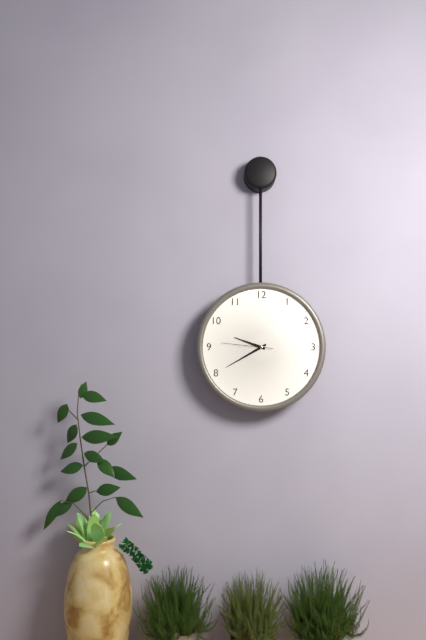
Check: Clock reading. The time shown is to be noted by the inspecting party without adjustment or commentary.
9:40:46
